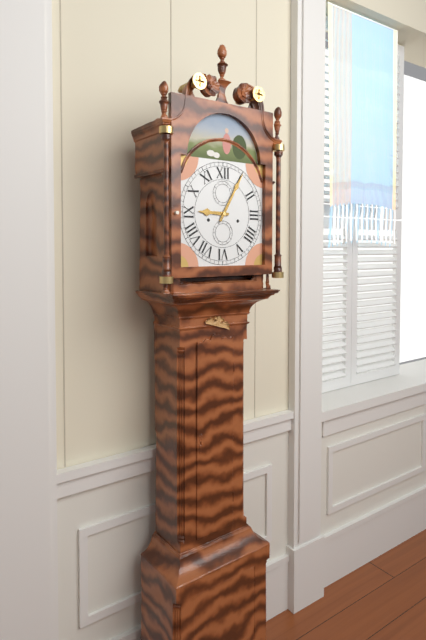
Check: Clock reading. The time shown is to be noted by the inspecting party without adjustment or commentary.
9:05
